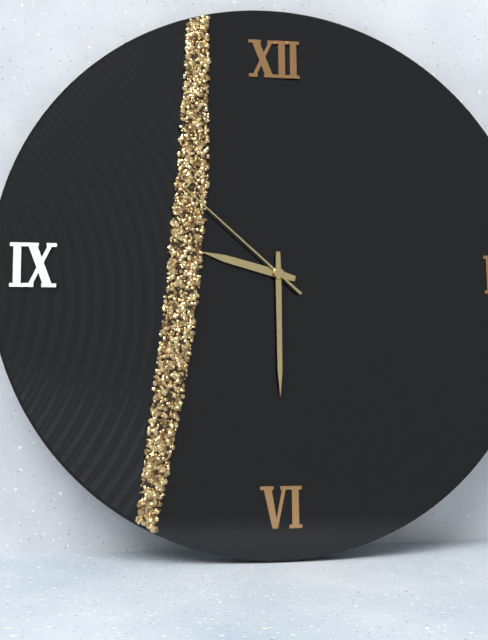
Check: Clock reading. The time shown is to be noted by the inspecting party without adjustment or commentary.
9:30:52
